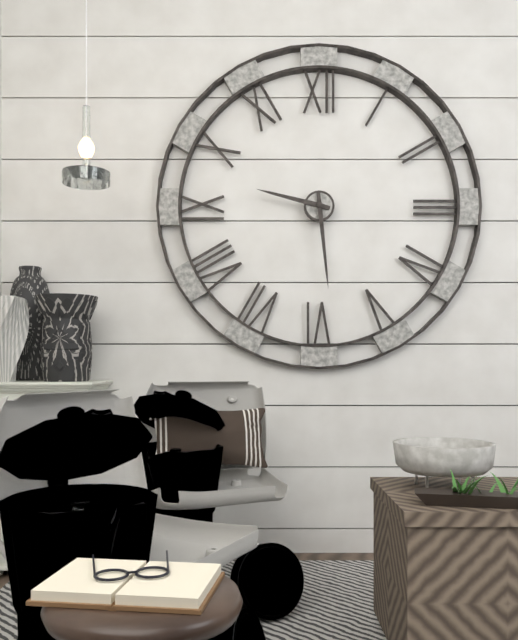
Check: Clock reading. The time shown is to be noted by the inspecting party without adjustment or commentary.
9:29
